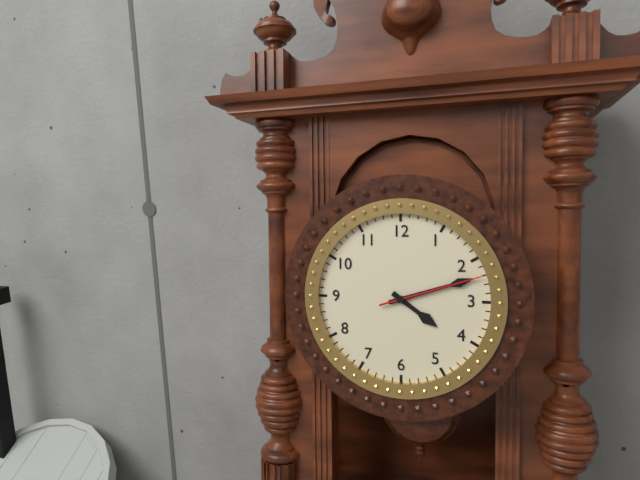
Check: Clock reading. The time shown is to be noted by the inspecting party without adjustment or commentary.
4:12:12
